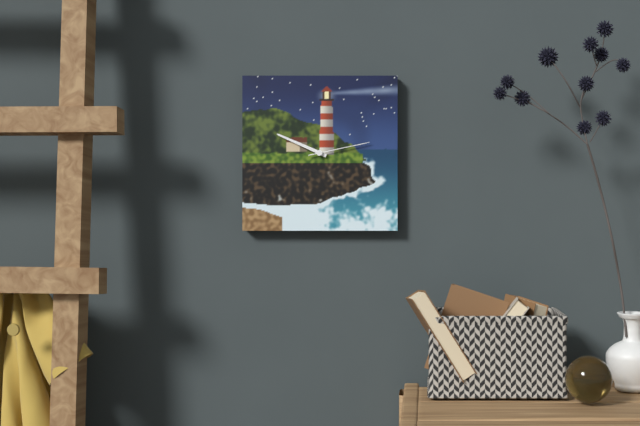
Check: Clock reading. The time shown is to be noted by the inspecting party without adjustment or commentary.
9:49:13
